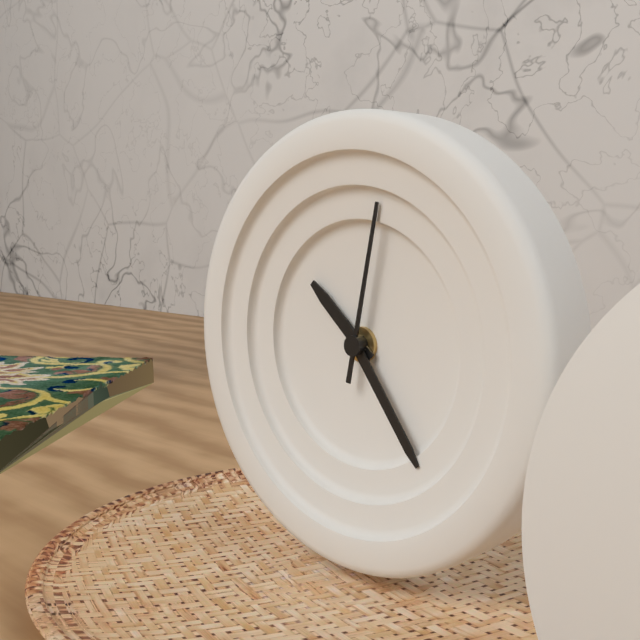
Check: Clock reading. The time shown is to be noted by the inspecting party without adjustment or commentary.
10:24:02
